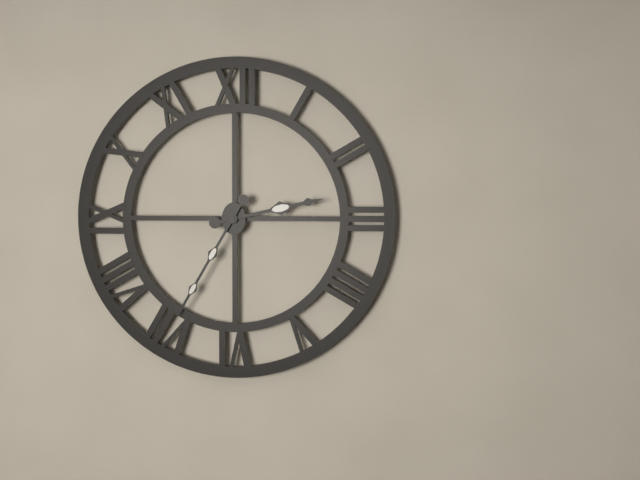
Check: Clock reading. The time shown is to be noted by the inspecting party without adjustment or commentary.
2:35
